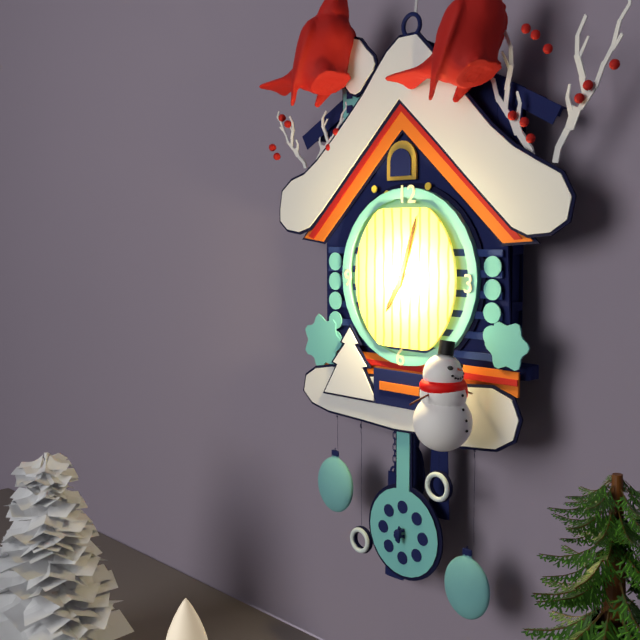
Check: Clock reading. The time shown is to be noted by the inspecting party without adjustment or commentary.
7:03
